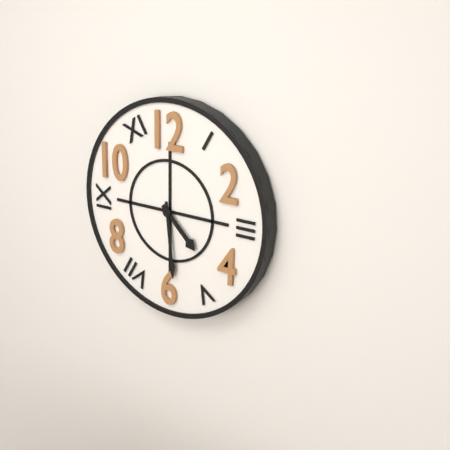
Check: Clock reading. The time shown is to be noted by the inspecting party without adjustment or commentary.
4:29
